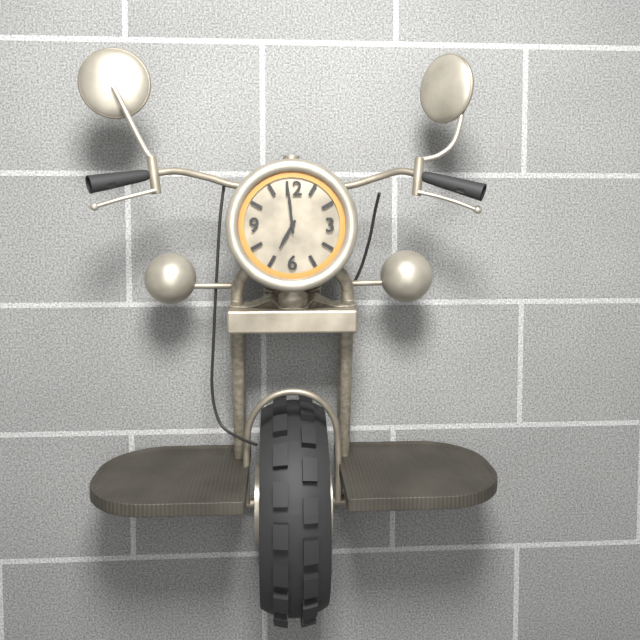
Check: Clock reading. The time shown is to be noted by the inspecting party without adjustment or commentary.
6:59
